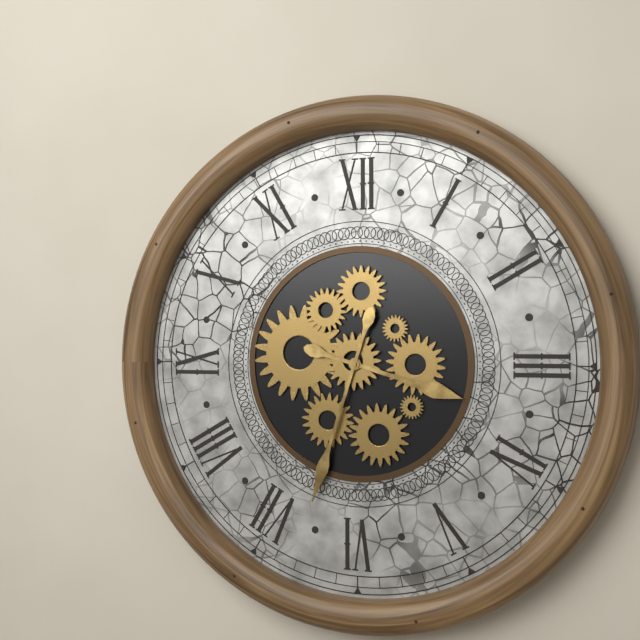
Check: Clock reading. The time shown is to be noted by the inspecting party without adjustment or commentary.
3:33
